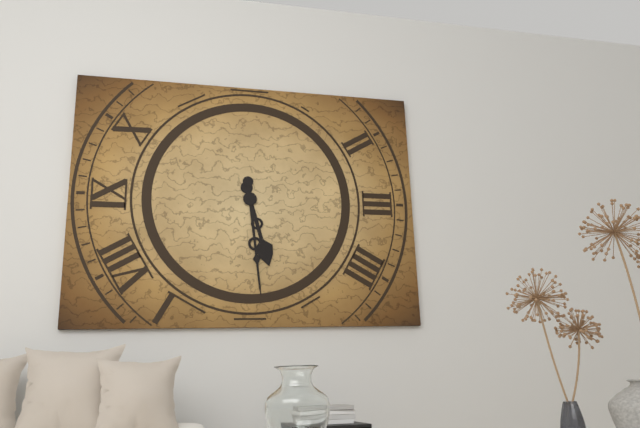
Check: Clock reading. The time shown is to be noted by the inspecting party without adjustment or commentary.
5:29
